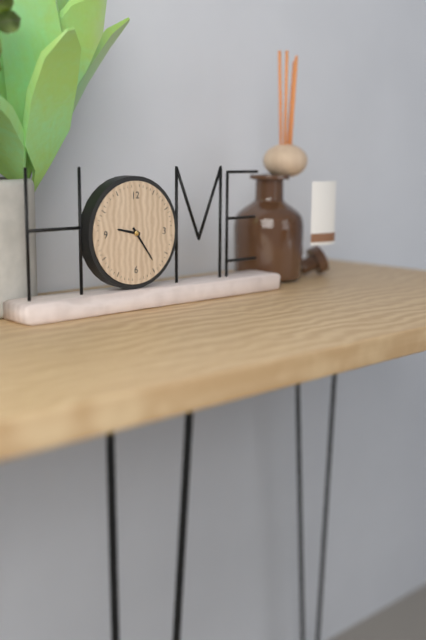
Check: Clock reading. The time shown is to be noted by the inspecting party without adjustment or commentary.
9:24
